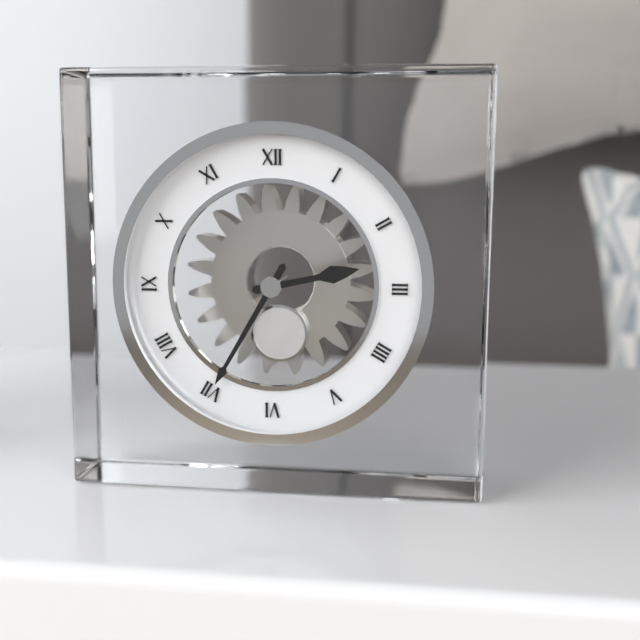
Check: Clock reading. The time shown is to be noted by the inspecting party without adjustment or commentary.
2:35
